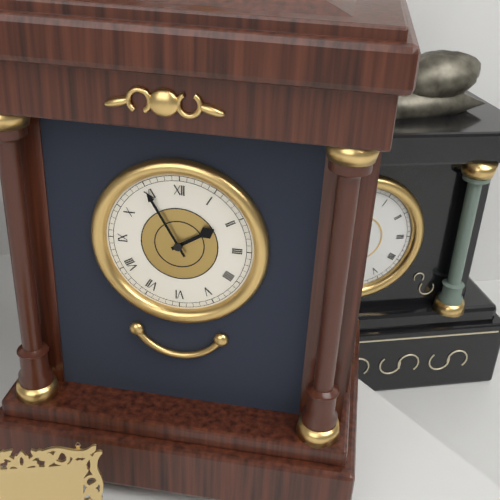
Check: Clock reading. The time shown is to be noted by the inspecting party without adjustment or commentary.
1:55
